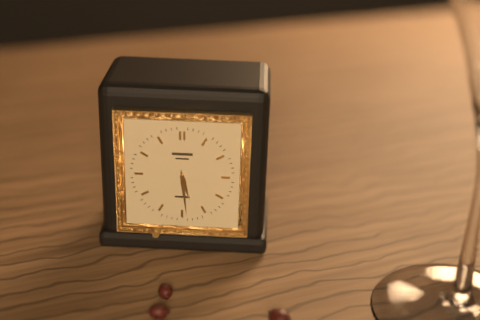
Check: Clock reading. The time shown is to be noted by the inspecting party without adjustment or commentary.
5:29
